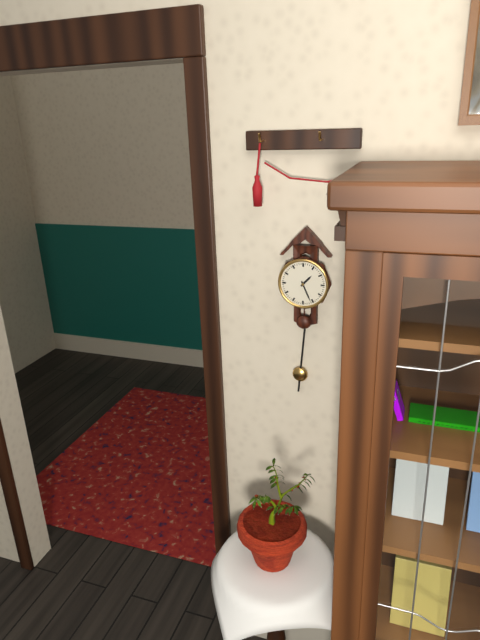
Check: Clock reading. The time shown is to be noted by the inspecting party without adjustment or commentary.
1:26
